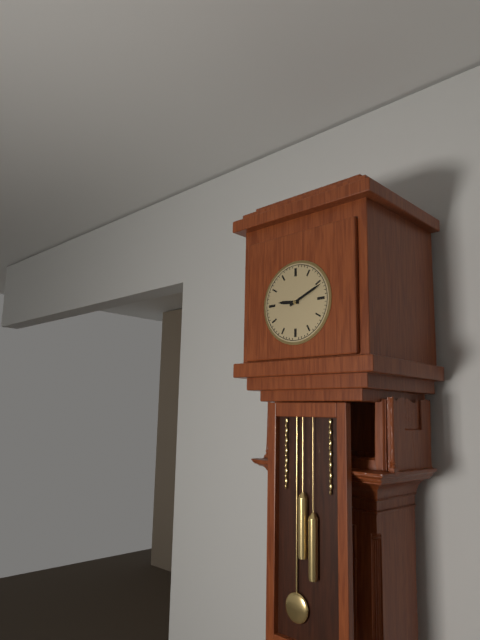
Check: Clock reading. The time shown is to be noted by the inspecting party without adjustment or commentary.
9:11
